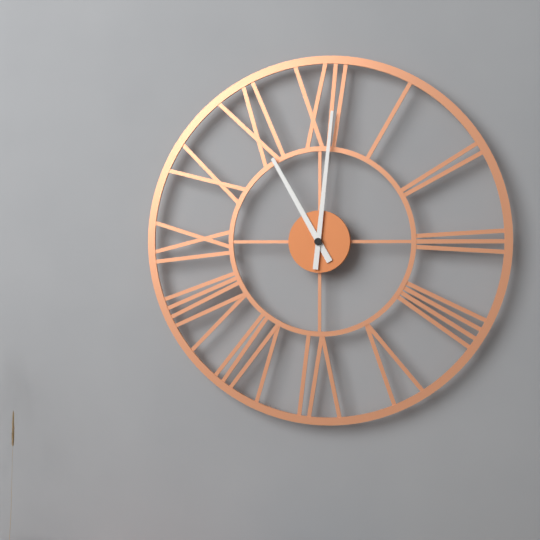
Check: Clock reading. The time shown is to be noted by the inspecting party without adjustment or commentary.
11:01
